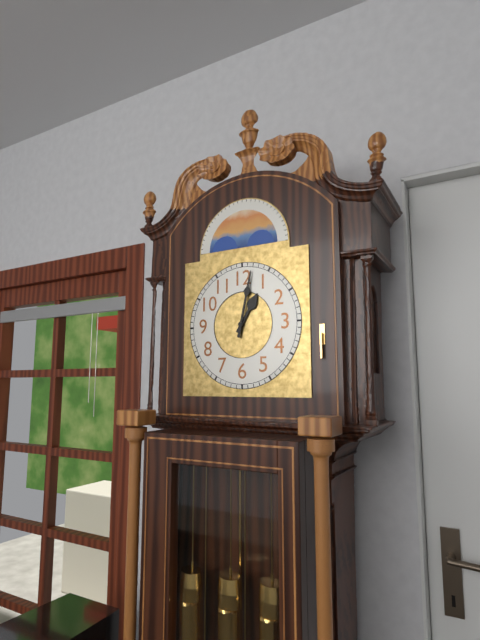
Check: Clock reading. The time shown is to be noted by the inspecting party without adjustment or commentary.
1:02
